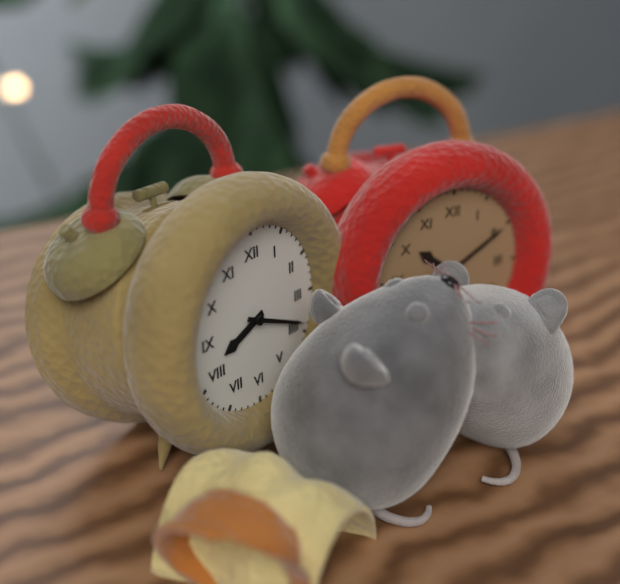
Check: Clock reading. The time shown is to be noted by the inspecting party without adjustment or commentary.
8:19
